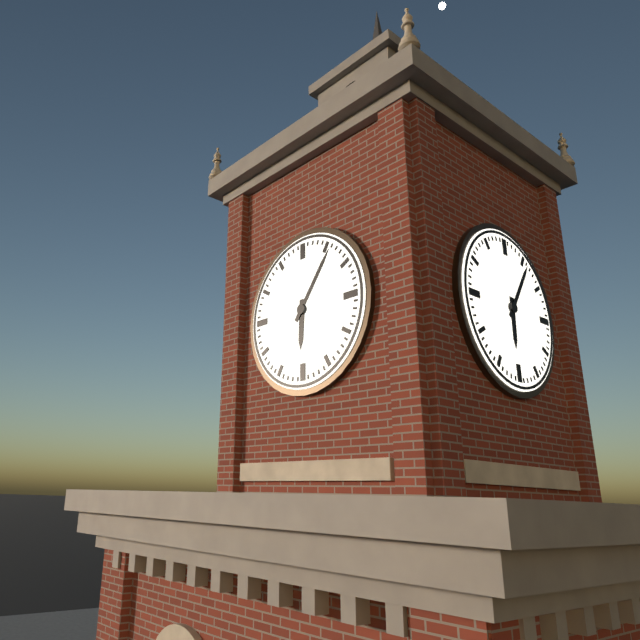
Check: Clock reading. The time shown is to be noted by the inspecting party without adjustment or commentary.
6:06
